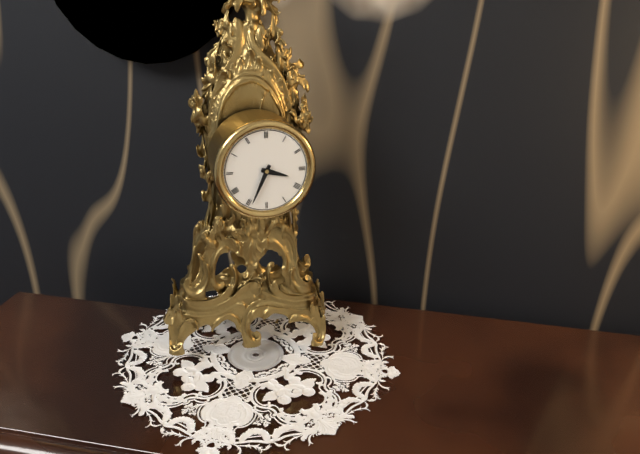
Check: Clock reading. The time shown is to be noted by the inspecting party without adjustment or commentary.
3:34
